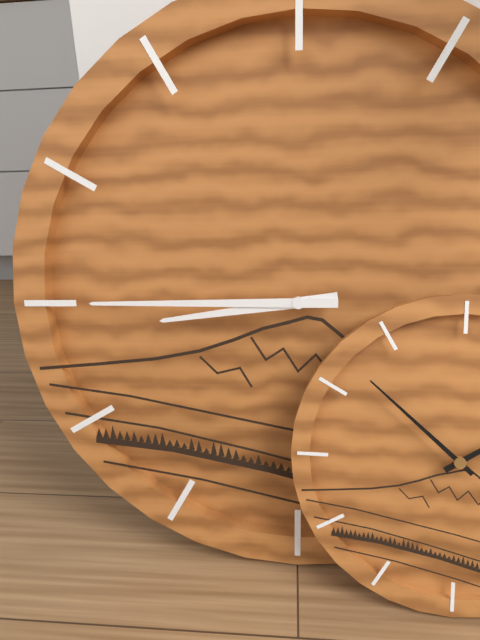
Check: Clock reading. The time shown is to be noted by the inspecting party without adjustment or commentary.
8:45
